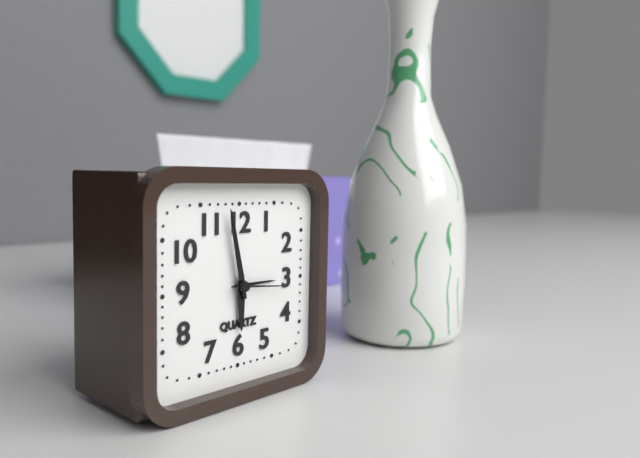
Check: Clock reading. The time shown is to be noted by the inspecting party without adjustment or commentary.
5:58:16
